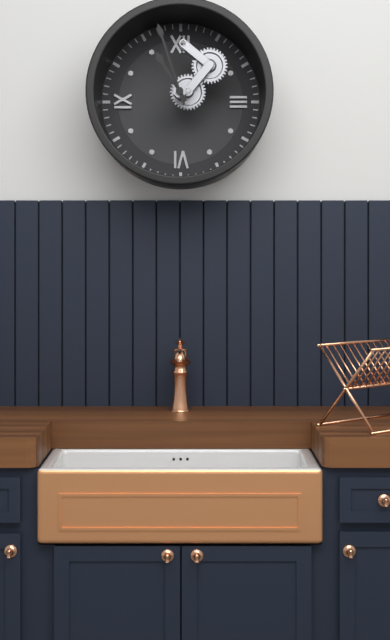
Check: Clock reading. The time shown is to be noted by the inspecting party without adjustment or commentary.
10:57
